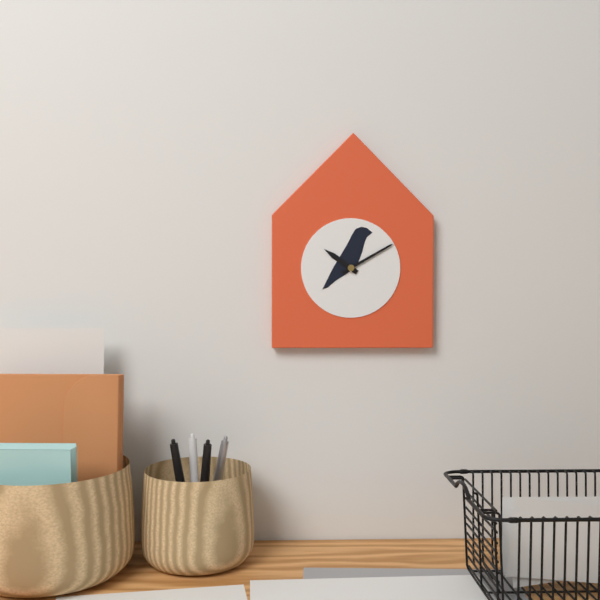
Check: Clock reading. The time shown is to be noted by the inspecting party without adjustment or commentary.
10:10
